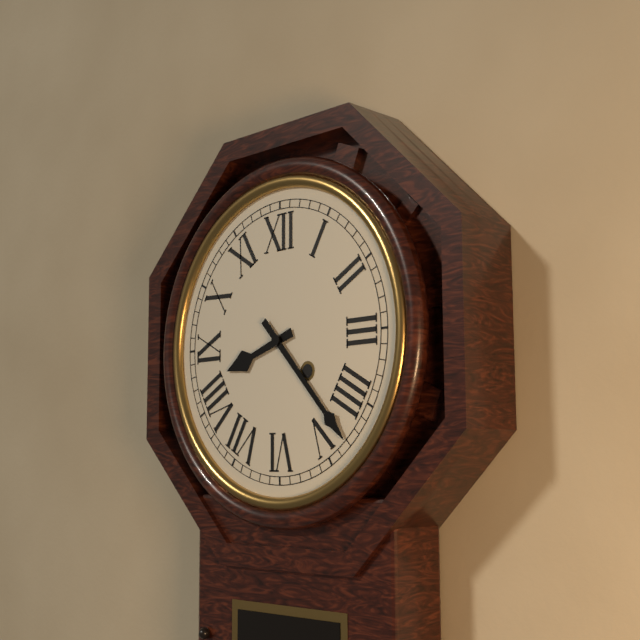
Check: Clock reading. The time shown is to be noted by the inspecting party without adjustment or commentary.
8:23
